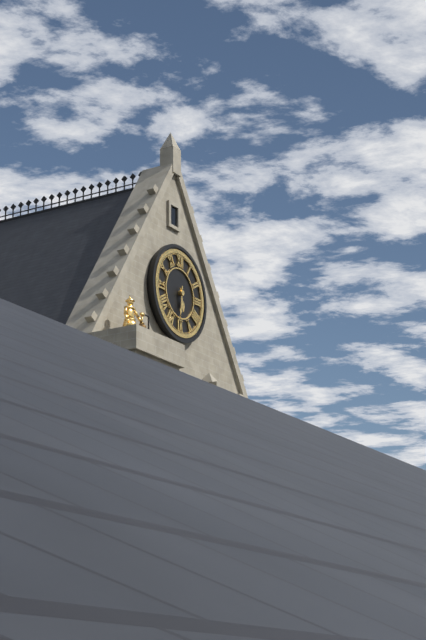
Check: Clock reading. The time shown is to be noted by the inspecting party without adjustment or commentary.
5:31
